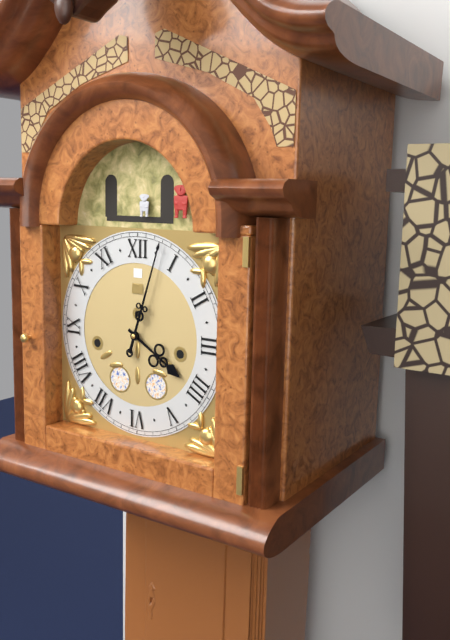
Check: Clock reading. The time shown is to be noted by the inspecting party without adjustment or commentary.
4:03
